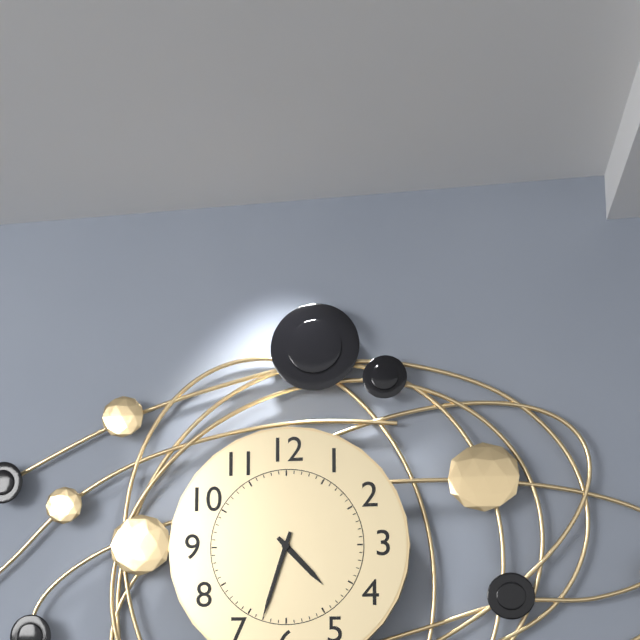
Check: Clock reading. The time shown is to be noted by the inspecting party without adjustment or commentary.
4:33
